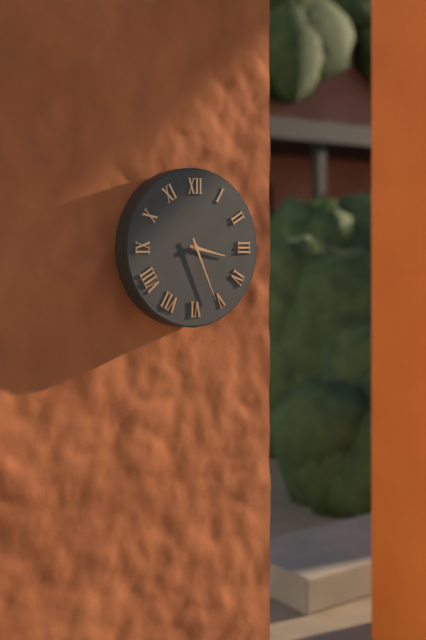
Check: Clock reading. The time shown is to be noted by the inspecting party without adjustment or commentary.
3:26
